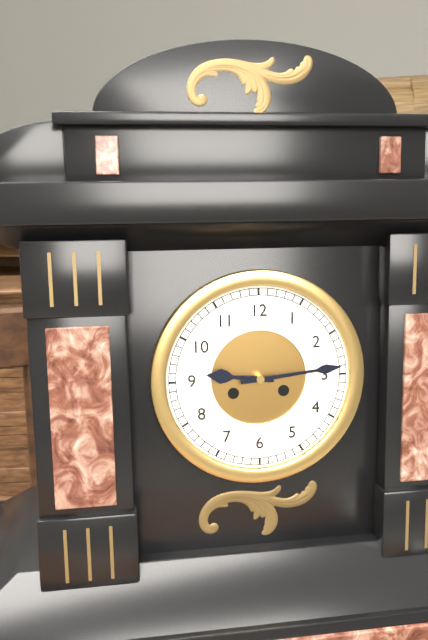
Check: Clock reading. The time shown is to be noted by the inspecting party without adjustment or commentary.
9:14
